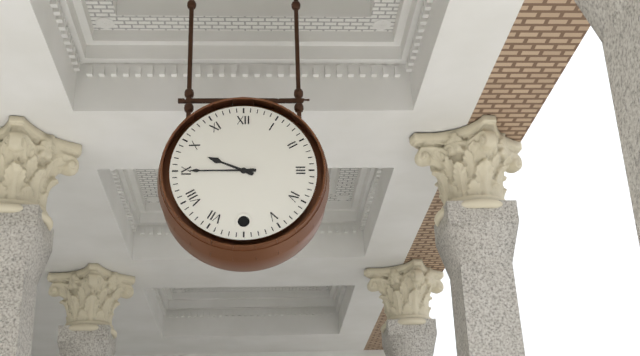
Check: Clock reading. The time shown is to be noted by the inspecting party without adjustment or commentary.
9:45
